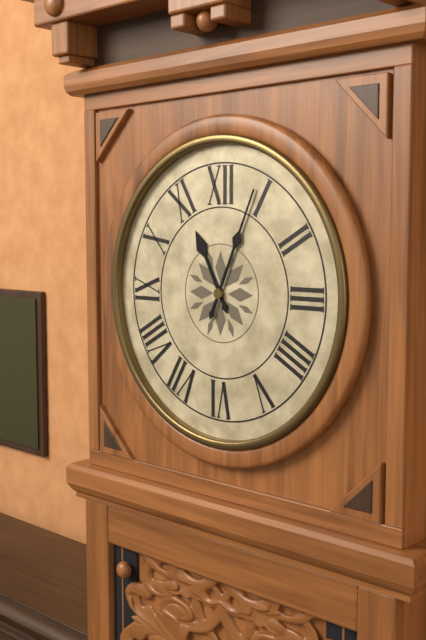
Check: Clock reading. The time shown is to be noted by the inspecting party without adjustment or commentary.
11:04
